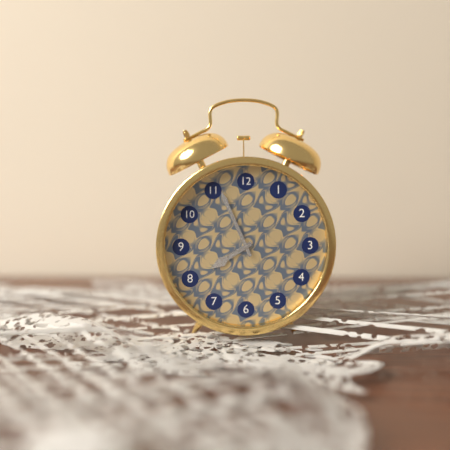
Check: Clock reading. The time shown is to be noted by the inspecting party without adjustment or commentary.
7:56
